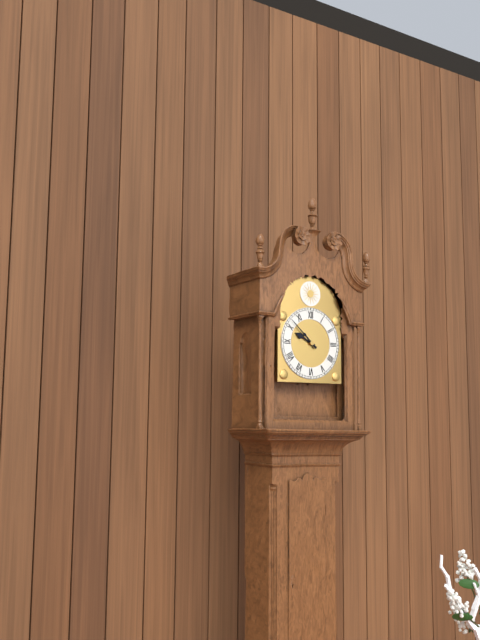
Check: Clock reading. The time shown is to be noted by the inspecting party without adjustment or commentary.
9:52
